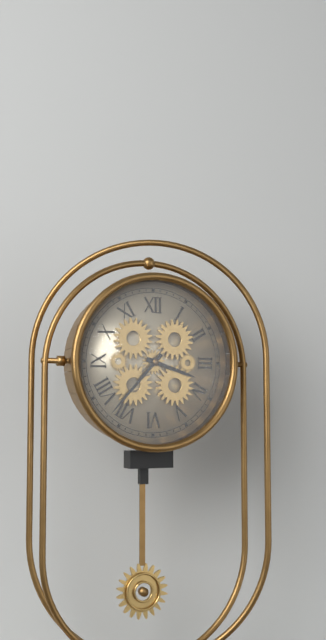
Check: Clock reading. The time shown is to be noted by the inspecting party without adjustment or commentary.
3:37
